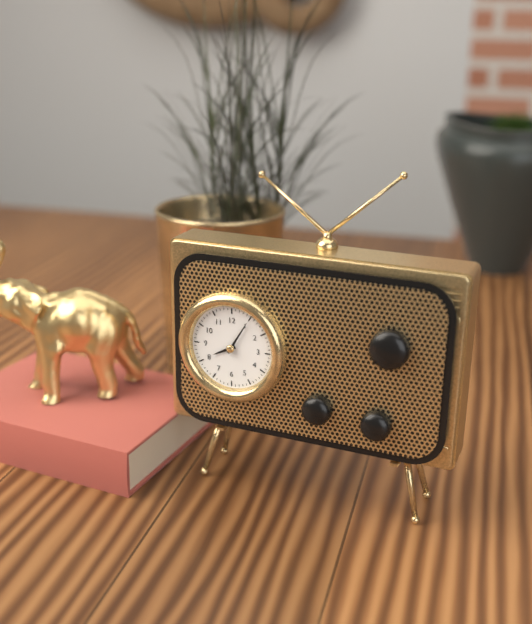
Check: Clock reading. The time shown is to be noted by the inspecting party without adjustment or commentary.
8:05
